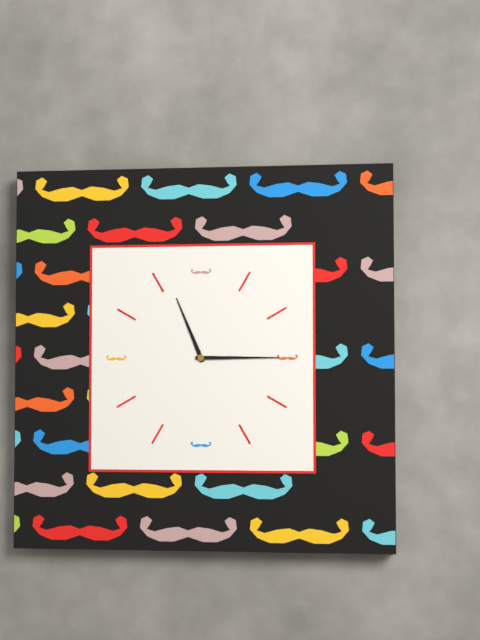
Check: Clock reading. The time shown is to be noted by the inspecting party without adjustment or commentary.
11:15
